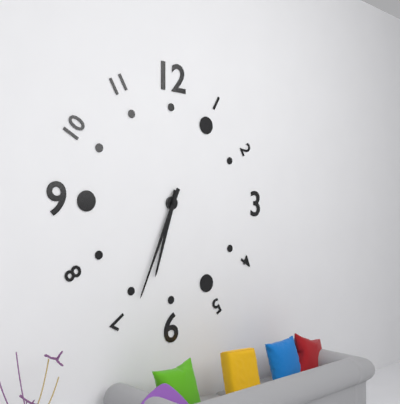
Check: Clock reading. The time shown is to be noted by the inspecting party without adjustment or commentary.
6:34
